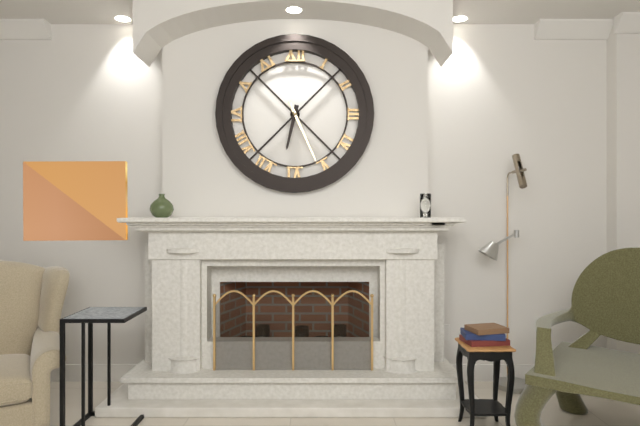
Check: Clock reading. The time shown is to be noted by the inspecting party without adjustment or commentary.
6:26
